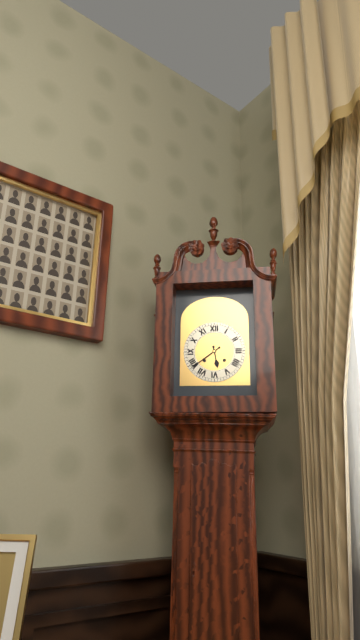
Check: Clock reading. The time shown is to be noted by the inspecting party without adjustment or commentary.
5:39
